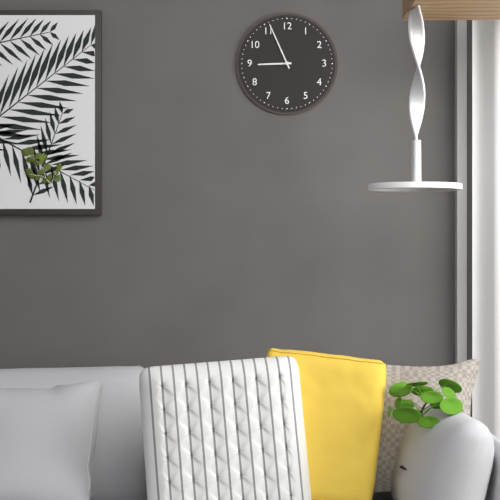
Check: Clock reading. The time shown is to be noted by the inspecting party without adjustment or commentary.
8:56
